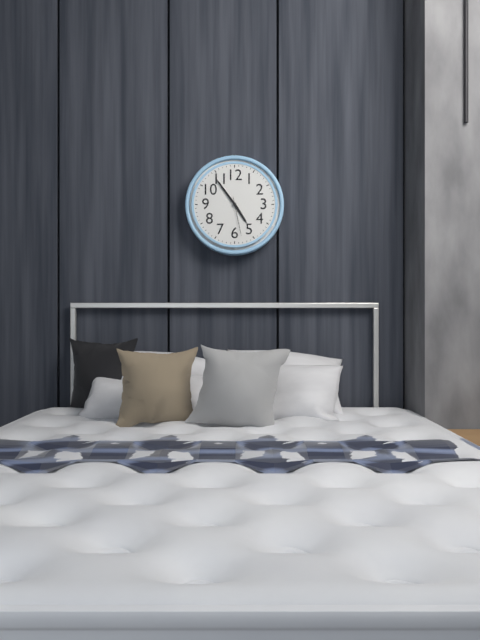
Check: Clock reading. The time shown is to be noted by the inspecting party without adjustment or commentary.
4:54
